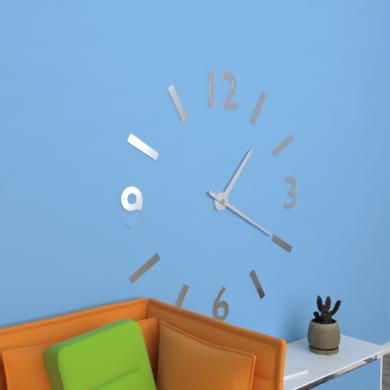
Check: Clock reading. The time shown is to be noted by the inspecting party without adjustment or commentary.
1:20
